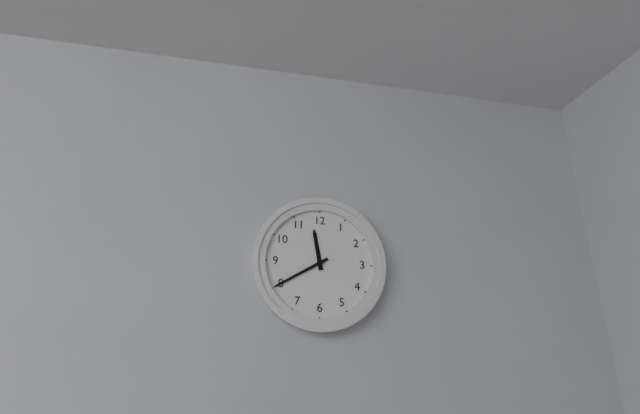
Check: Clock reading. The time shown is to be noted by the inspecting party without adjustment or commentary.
11:40
